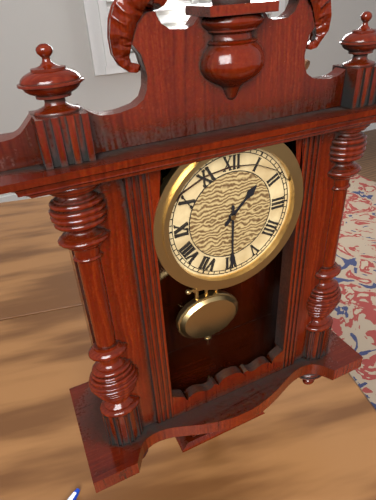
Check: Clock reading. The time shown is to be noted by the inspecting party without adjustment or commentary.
1:30
